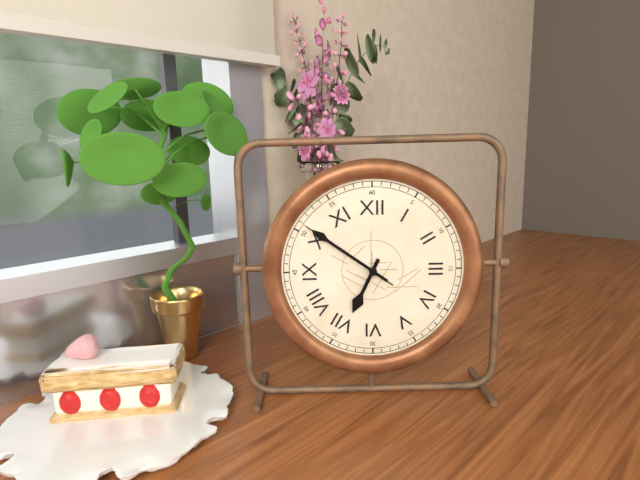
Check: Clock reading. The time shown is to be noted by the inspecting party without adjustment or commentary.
6:51:51
